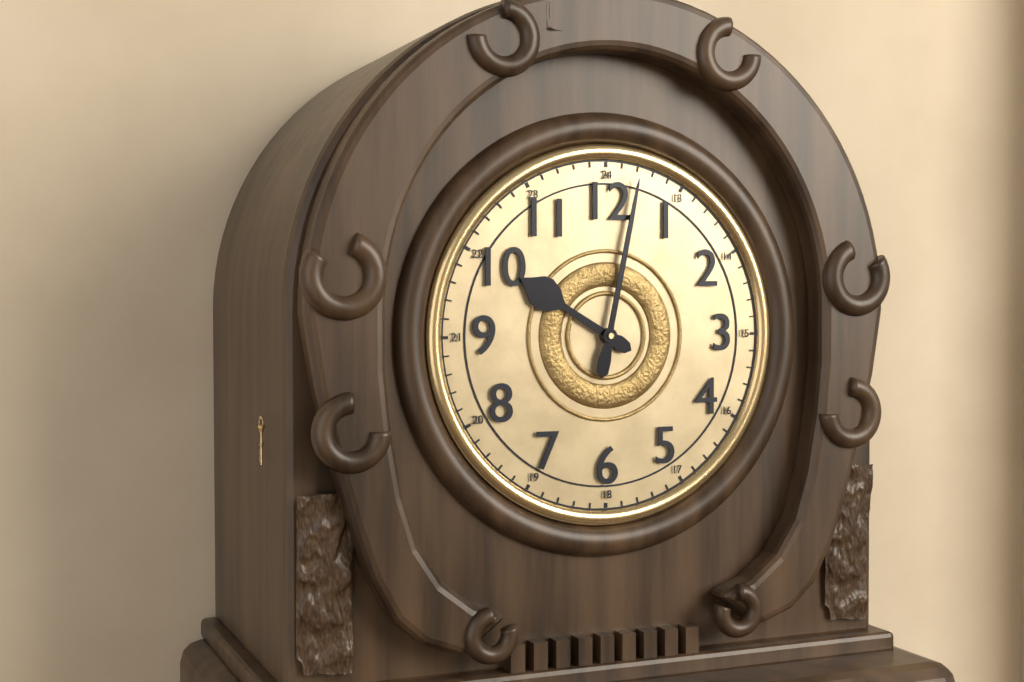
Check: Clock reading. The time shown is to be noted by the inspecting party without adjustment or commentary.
10:02
